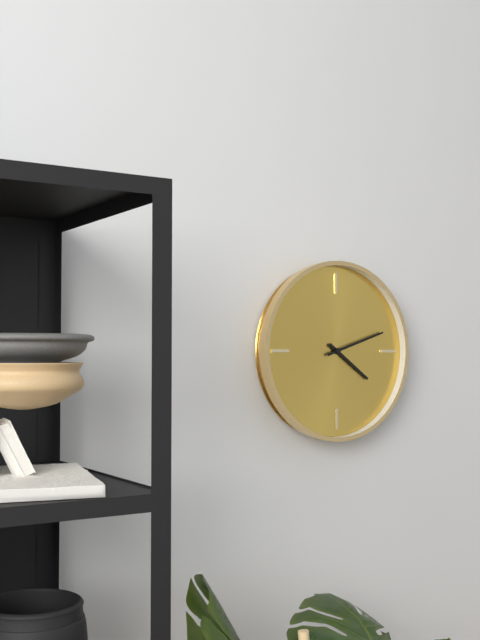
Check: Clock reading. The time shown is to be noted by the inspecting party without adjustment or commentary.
4:12
